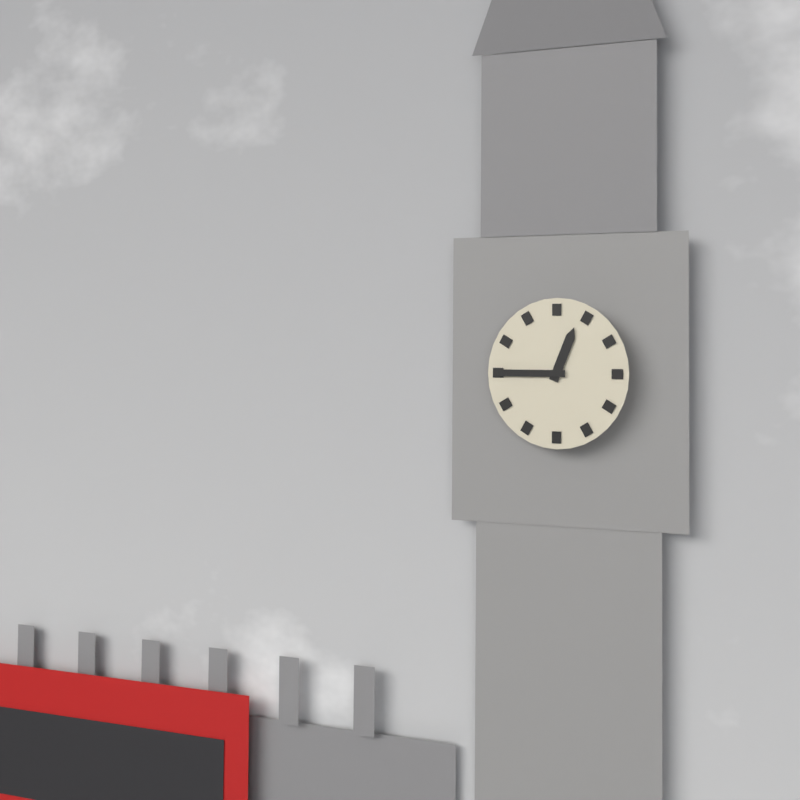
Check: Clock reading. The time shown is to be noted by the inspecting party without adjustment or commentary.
12:45
